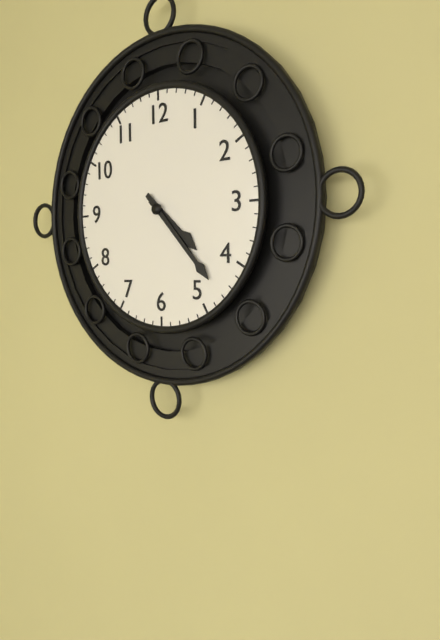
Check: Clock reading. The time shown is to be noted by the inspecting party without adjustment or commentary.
4:23
